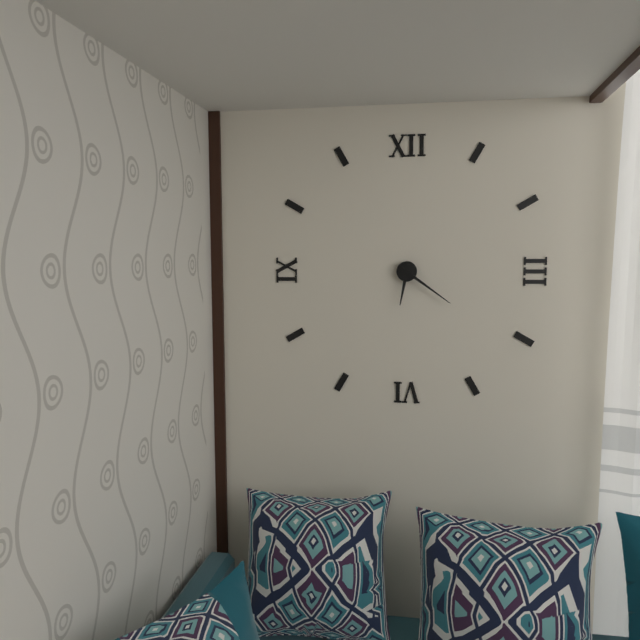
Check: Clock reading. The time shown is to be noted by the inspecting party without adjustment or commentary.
6:21
